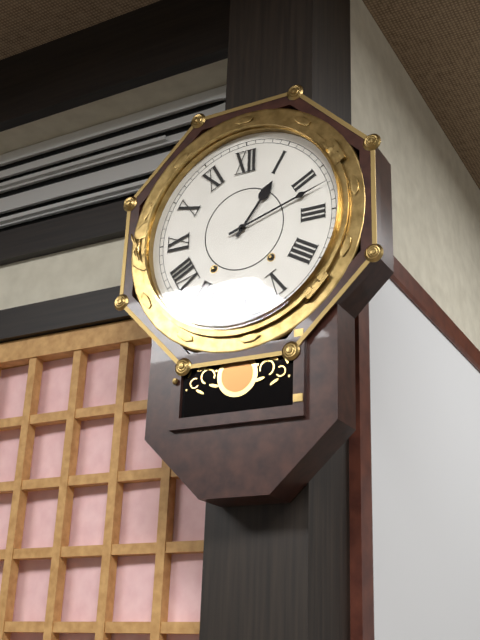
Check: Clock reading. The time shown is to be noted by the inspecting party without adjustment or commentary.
1:12
